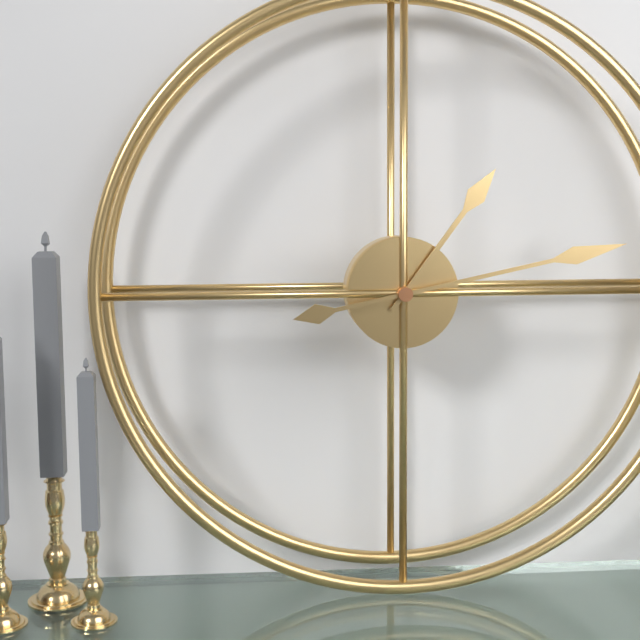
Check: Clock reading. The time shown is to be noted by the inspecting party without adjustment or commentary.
1:13
